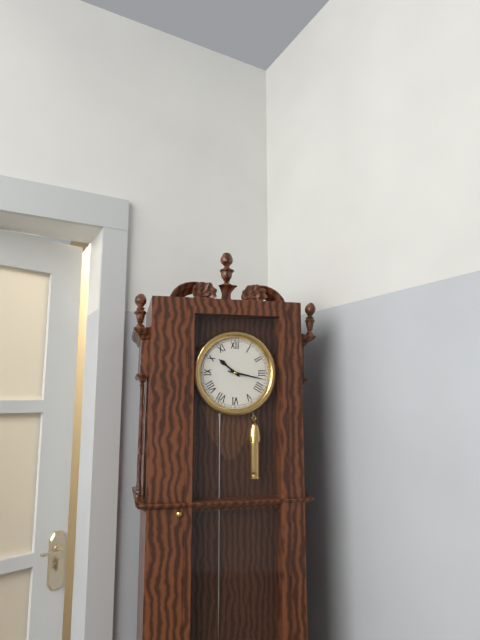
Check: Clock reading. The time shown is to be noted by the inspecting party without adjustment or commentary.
10:17
